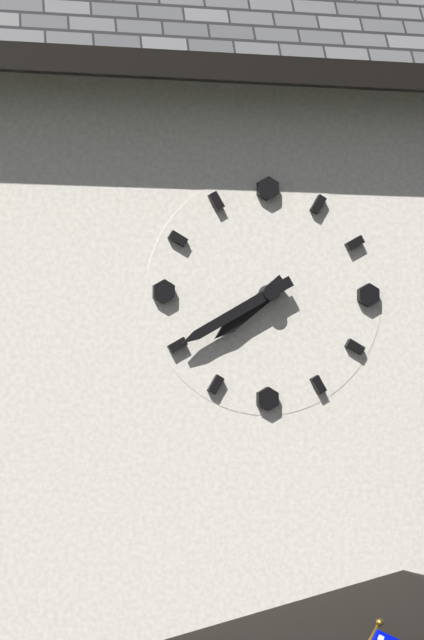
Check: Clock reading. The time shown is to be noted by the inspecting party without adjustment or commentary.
7:40
